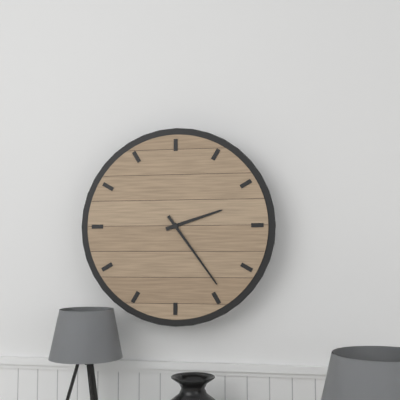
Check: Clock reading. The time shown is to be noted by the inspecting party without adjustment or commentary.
2:24
